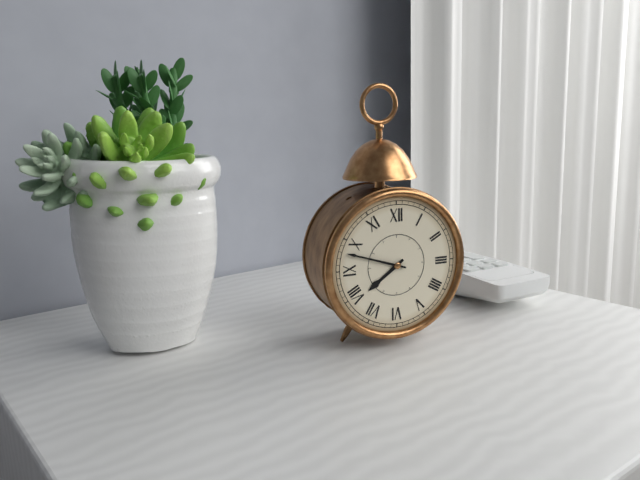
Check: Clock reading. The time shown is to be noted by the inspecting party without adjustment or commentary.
7:48
